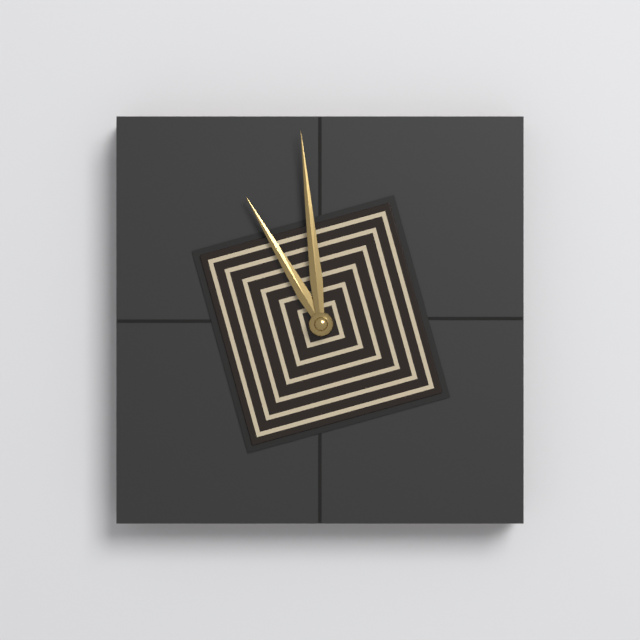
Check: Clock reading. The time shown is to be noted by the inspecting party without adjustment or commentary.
10:59
